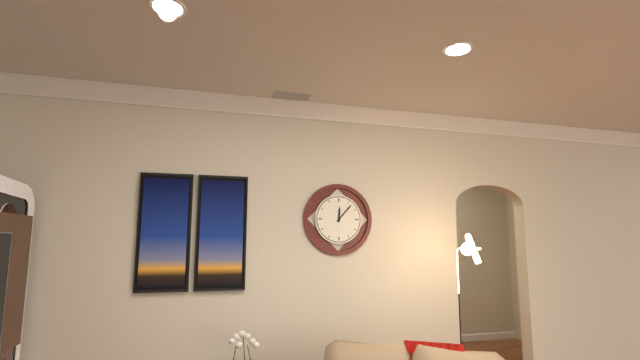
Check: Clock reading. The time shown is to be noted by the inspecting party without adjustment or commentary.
12:07
